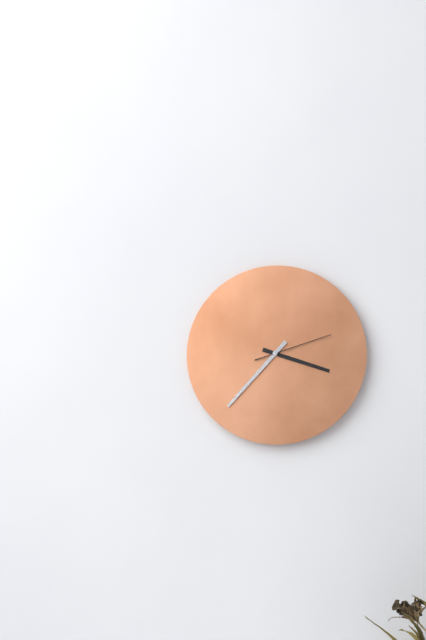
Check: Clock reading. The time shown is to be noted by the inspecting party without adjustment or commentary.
3:37:12
